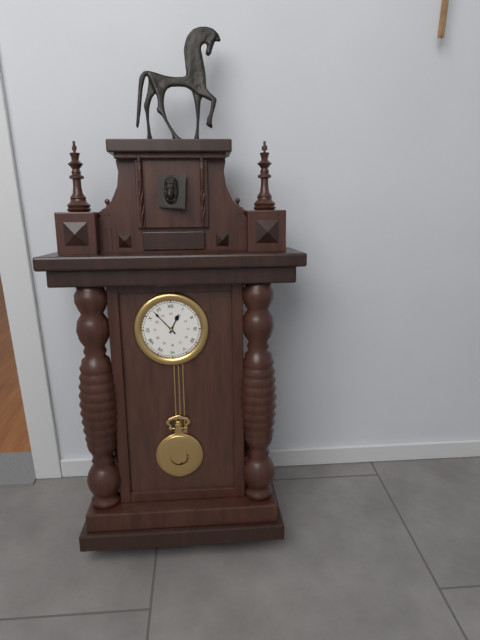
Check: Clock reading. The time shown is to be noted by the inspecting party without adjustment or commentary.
12:53
